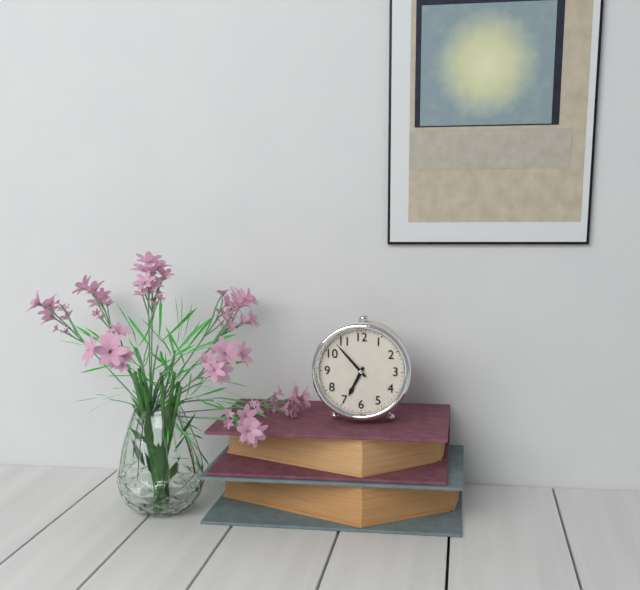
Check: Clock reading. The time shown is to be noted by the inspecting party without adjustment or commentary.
6:53
